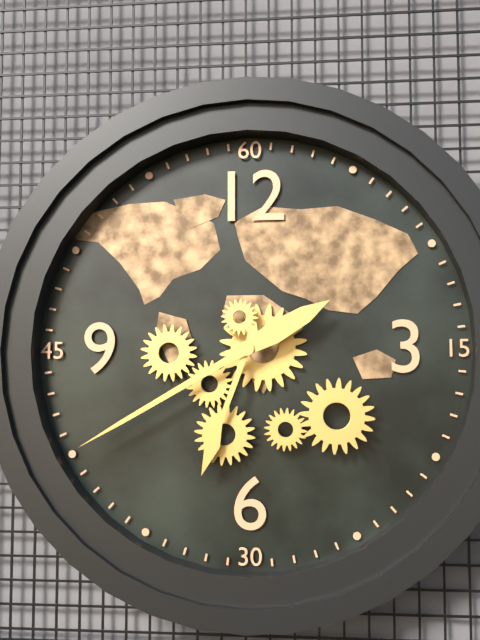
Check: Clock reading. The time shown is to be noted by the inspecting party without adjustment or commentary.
6:40
